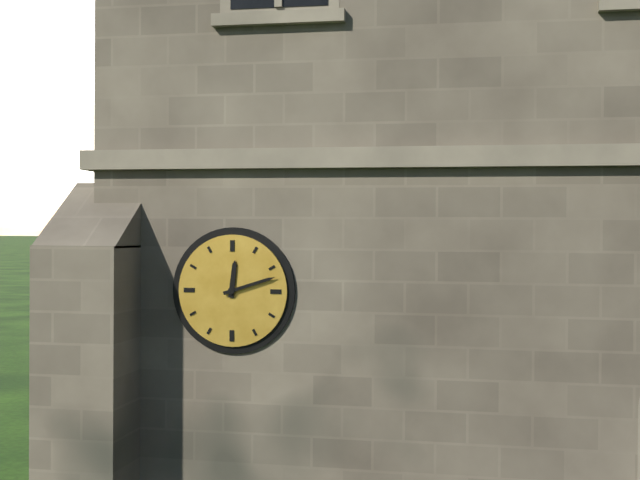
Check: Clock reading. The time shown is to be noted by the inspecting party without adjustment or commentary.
12:12
